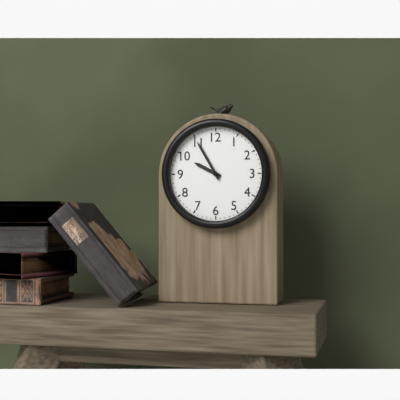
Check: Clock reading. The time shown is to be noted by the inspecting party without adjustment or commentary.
9:55
